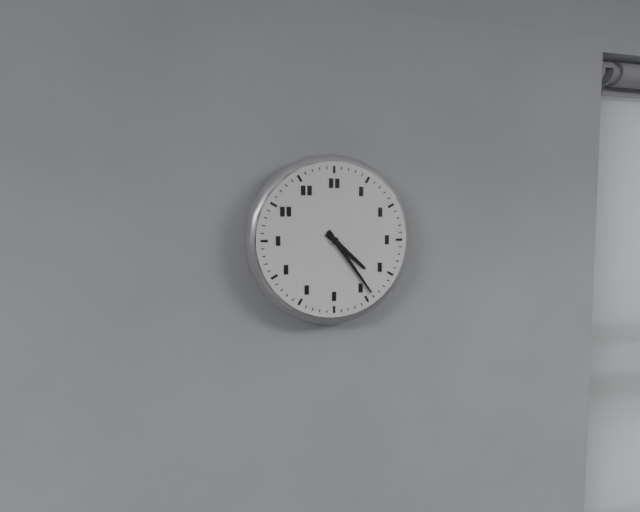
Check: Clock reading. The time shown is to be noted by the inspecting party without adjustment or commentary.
4:24
